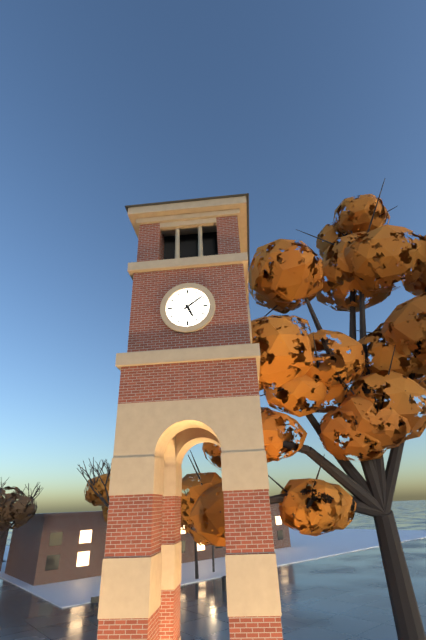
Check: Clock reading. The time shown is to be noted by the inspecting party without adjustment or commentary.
5:09
